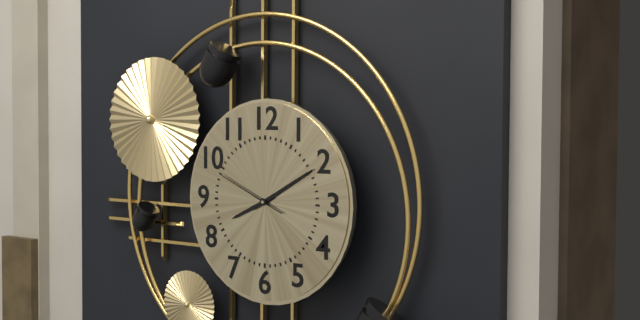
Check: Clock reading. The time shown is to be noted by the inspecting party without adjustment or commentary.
8:10:49
